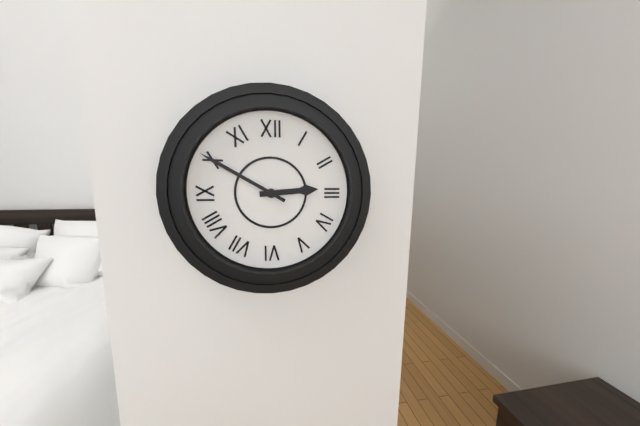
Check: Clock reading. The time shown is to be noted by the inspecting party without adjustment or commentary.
2:50
